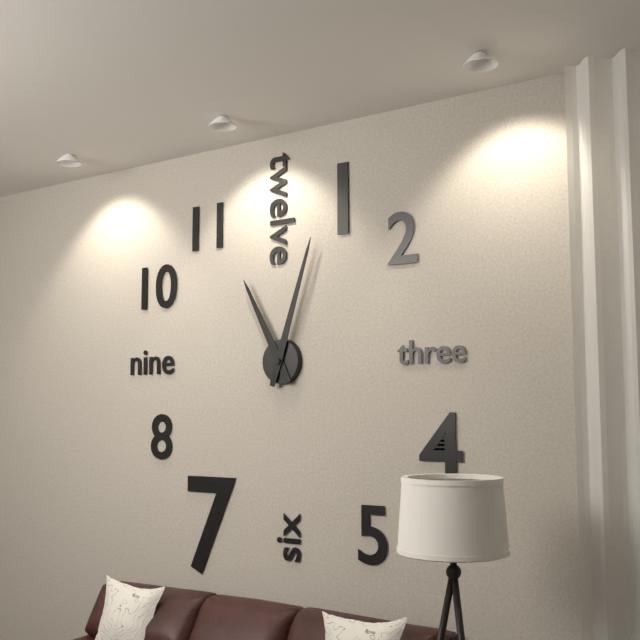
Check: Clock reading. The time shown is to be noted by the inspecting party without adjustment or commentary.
11:03
